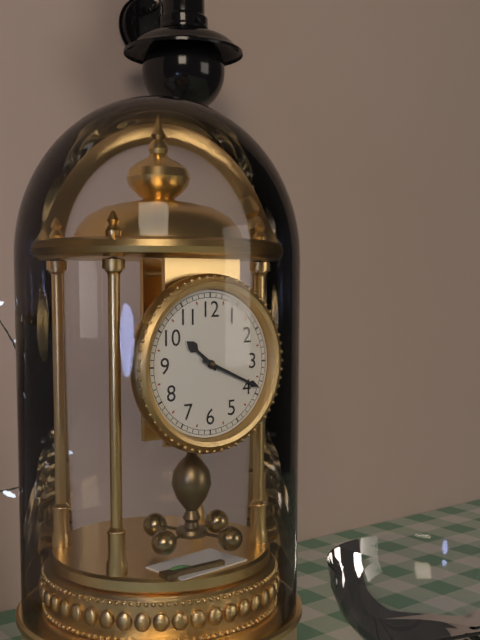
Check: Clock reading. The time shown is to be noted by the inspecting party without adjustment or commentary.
10:19
